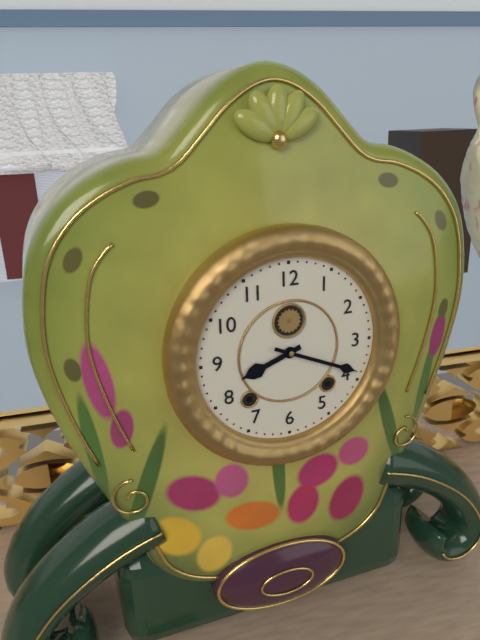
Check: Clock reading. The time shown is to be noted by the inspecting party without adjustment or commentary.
8:19
